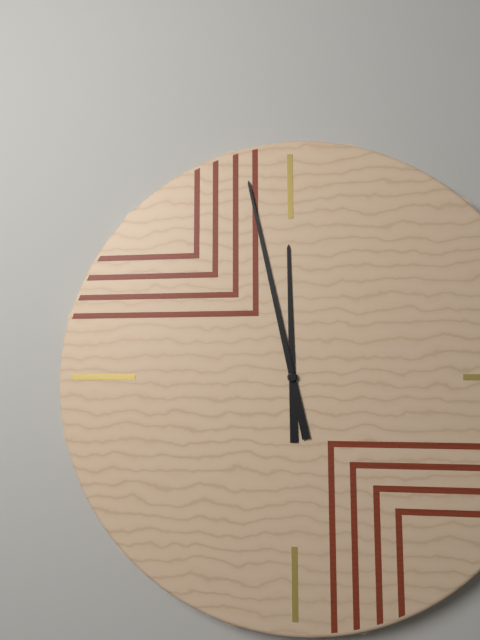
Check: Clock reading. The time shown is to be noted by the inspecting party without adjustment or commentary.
11:58
